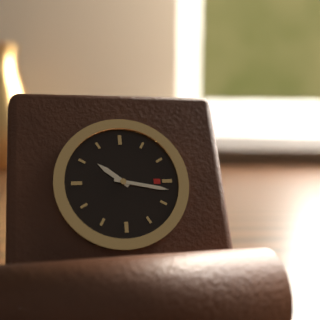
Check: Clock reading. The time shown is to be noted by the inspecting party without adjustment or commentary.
10:17
